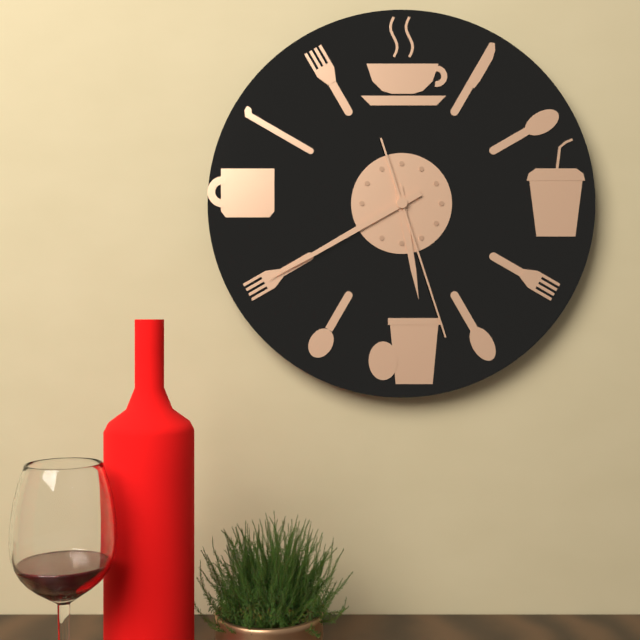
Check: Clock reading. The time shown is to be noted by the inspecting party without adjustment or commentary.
5:40:27
